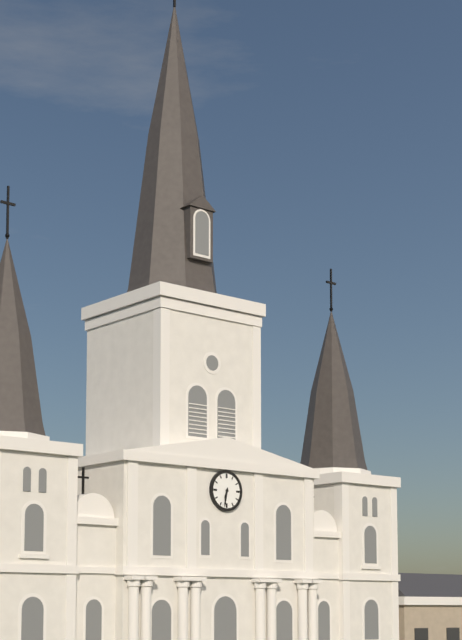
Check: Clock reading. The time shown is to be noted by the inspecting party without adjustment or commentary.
6:32
